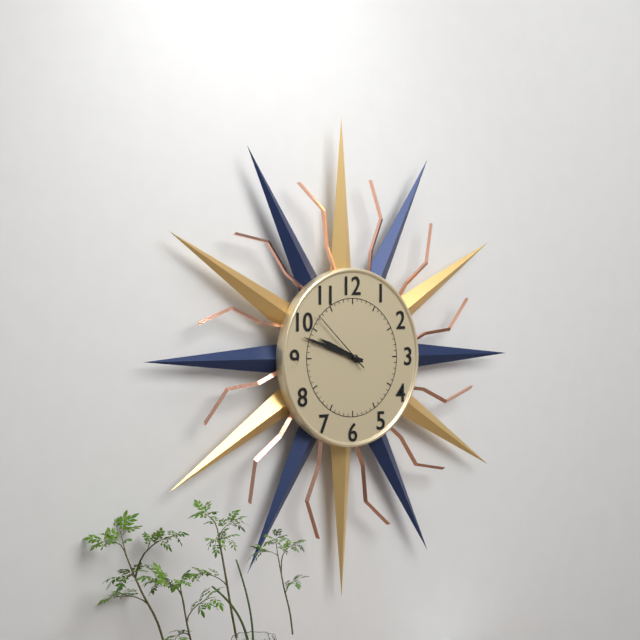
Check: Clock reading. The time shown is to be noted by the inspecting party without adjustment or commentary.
9:48:52
